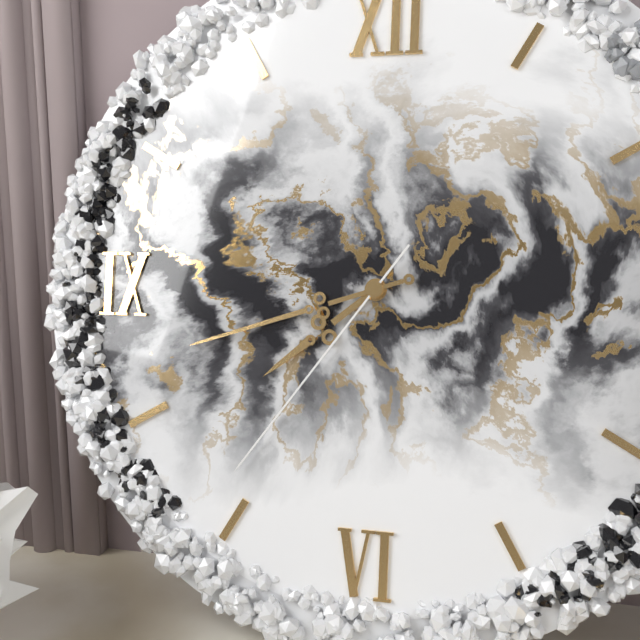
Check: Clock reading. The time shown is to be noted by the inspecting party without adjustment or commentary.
7:42:36
